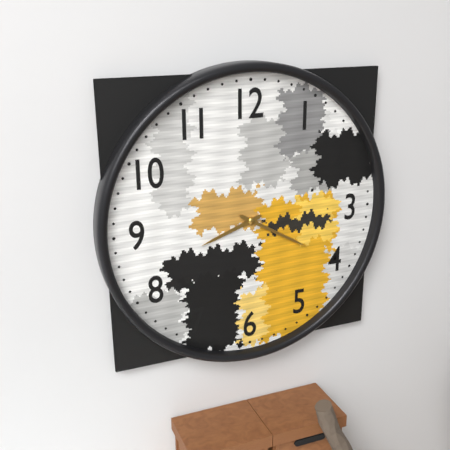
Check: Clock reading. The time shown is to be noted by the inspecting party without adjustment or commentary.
8:20
